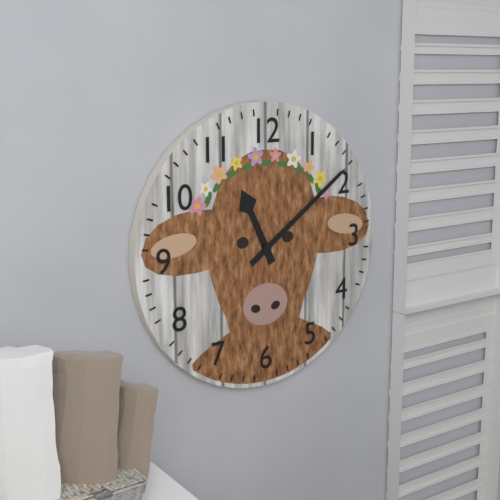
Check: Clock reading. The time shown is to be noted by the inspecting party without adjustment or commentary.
11:09
